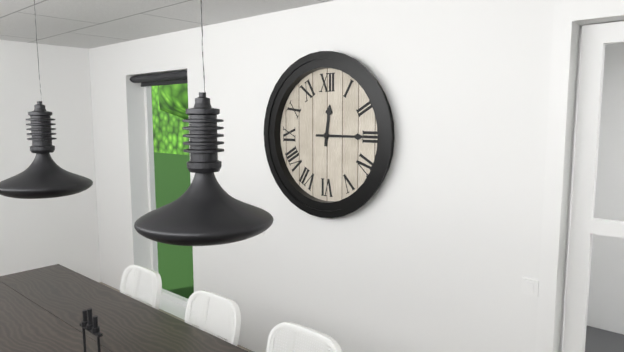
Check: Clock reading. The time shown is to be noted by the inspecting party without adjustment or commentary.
12:15
